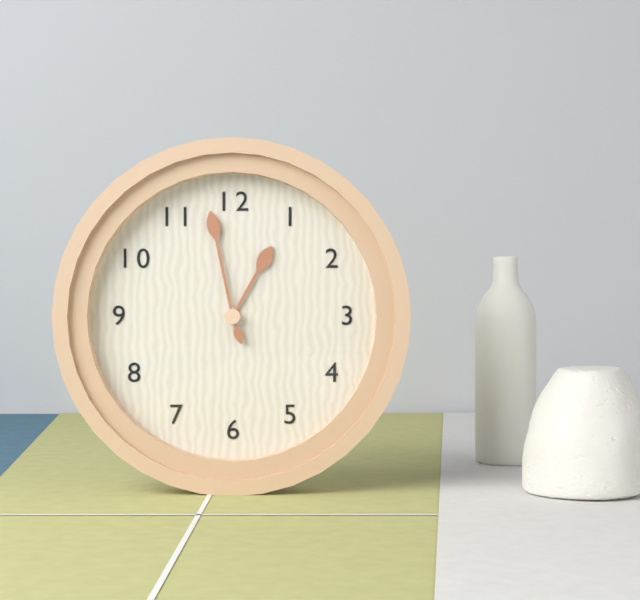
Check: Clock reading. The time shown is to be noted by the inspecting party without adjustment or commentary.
12:58
